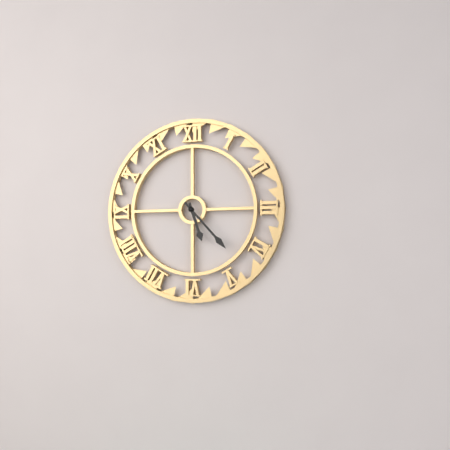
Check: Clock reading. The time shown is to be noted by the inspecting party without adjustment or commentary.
5:23
